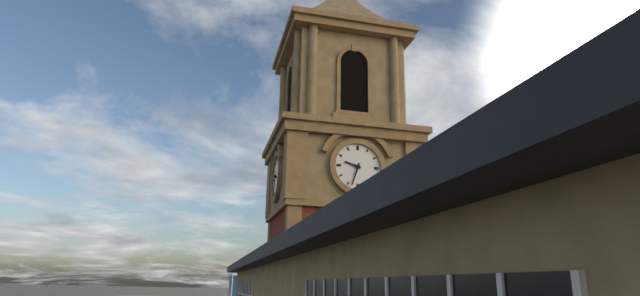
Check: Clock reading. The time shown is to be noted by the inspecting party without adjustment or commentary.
9:33
